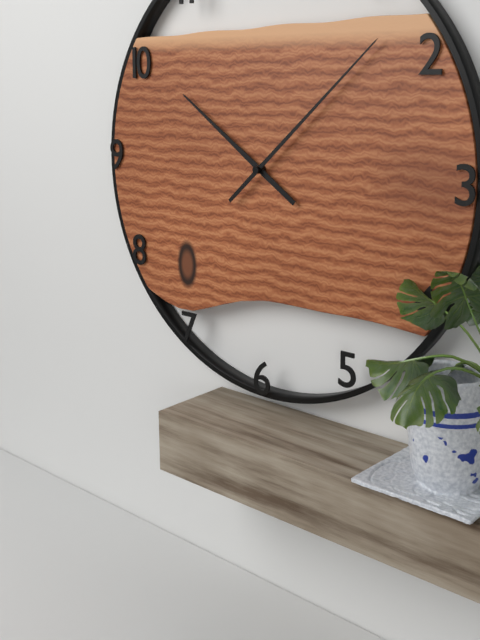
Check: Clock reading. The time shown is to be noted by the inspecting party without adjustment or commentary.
10:08
